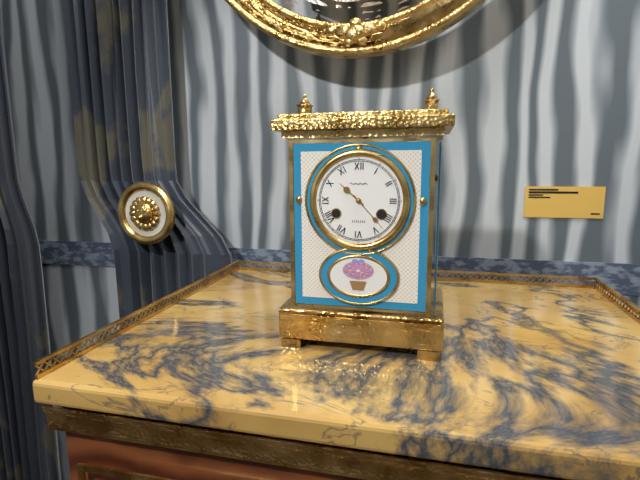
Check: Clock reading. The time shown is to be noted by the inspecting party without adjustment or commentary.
10:23
